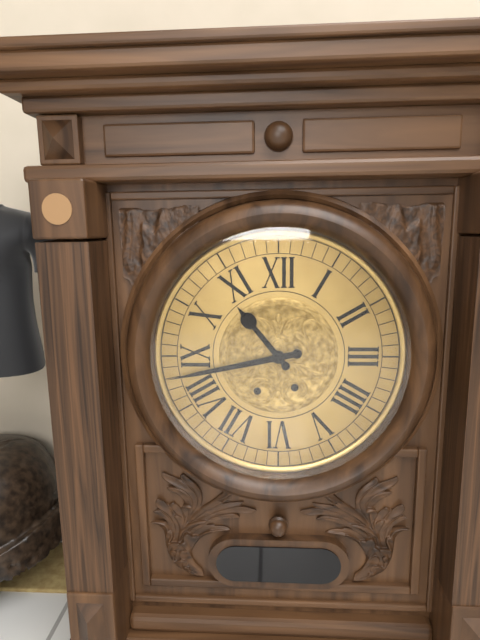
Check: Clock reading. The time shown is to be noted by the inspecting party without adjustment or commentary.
10:43
